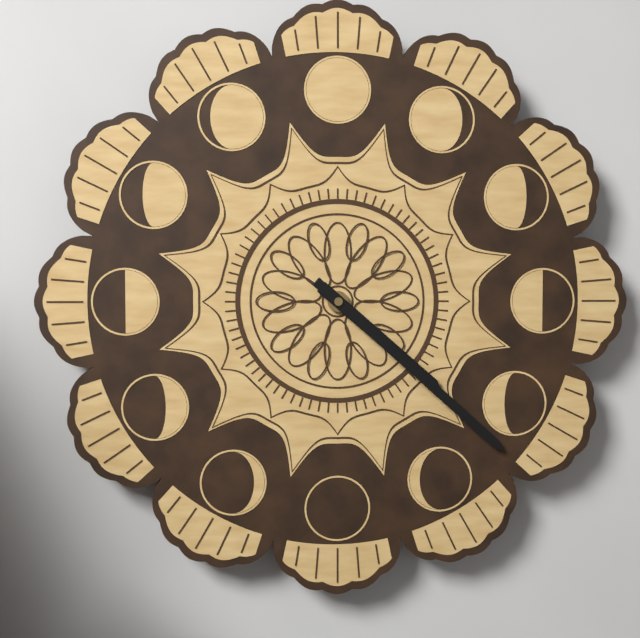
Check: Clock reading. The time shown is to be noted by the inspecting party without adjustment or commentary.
4:22
